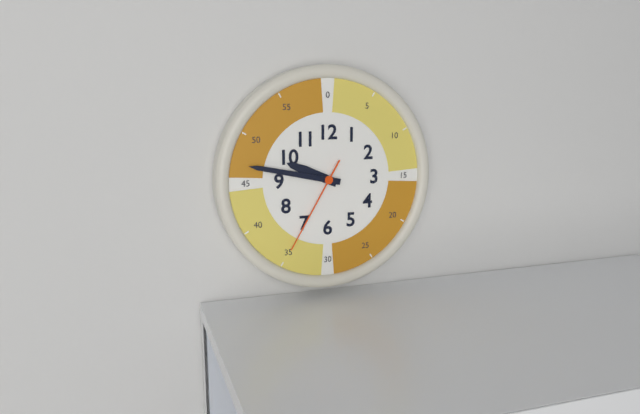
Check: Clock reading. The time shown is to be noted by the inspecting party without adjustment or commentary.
9:47:35
